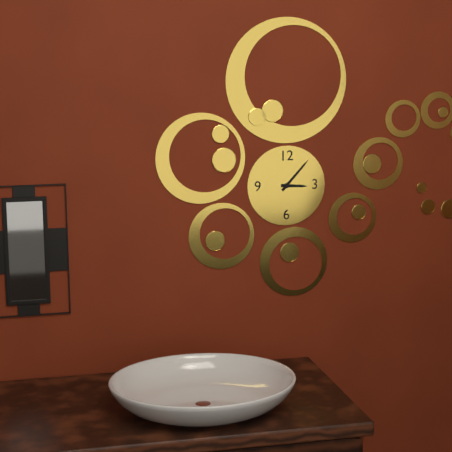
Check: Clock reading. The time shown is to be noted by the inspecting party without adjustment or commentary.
3:07
